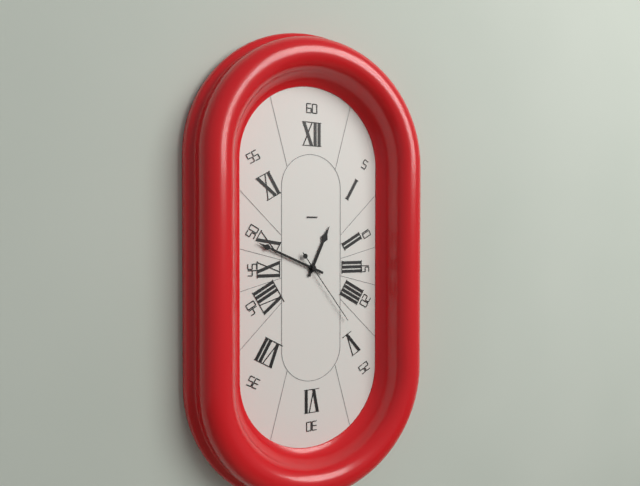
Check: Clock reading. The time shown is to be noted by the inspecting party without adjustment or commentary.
12:49:24
